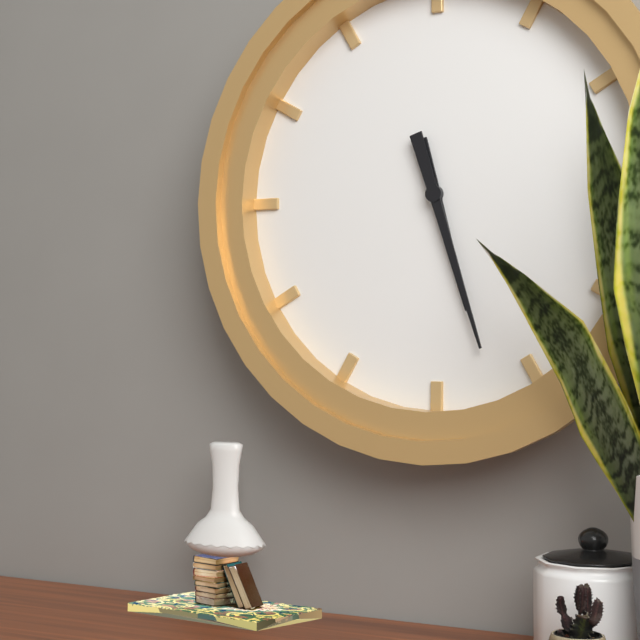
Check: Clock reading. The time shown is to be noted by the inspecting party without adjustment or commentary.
5:27
